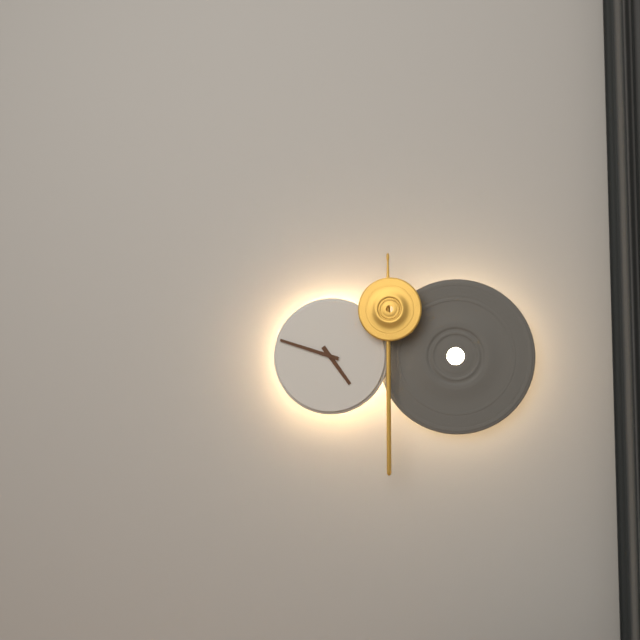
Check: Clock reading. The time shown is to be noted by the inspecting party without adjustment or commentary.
4:48
